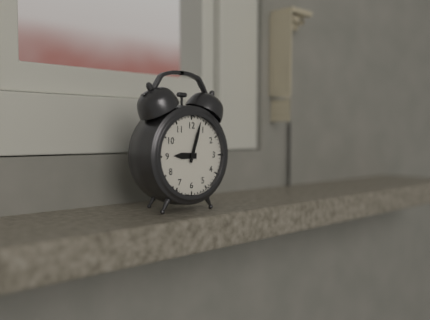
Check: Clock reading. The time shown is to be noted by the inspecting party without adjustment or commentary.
9:03
